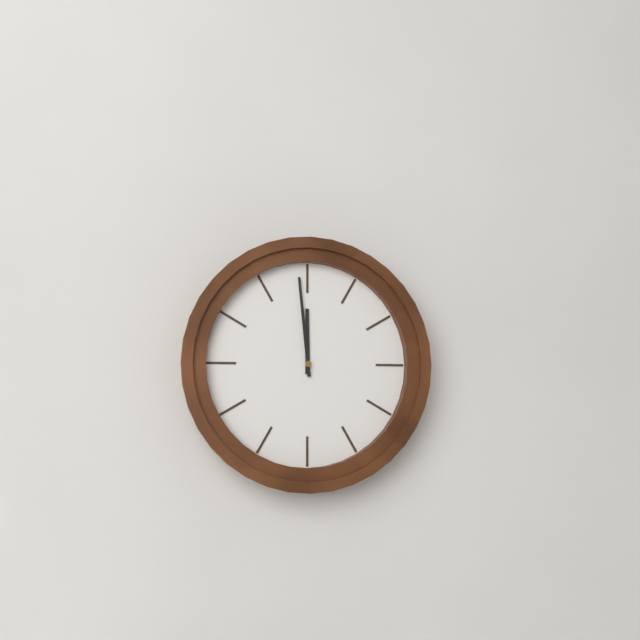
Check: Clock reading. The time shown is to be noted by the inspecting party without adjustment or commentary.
11:59
